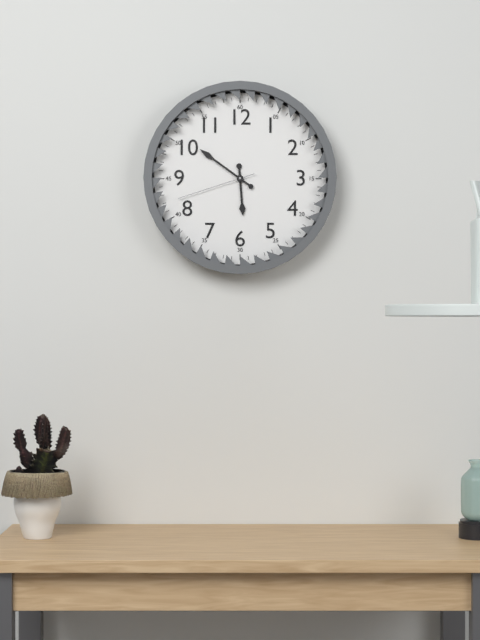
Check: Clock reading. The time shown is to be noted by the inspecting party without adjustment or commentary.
5:51:42
